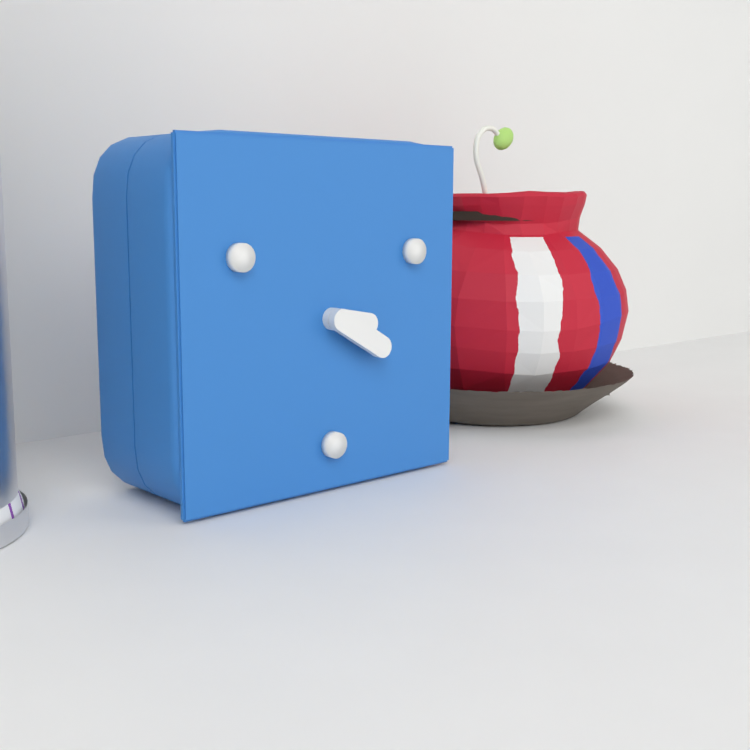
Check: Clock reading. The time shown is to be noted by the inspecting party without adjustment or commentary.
3:20
